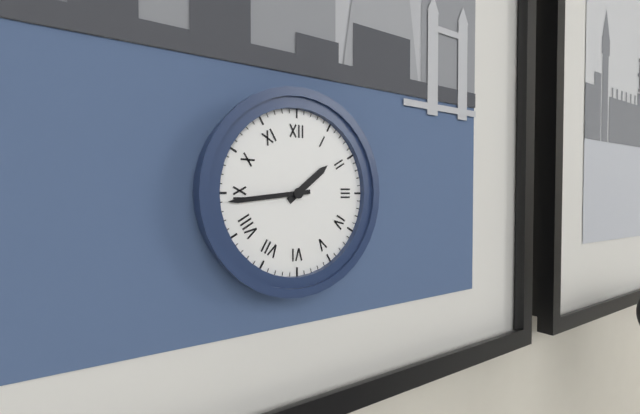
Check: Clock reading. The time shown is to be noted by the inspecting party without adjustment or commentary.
1:44
